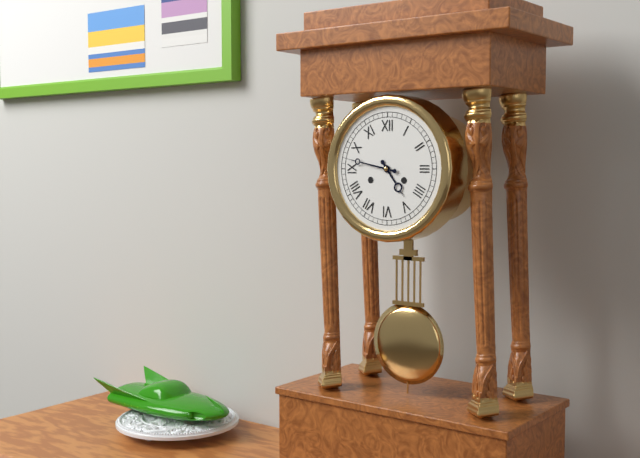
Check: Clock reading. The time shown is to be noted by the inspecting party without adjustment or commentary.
4:47
